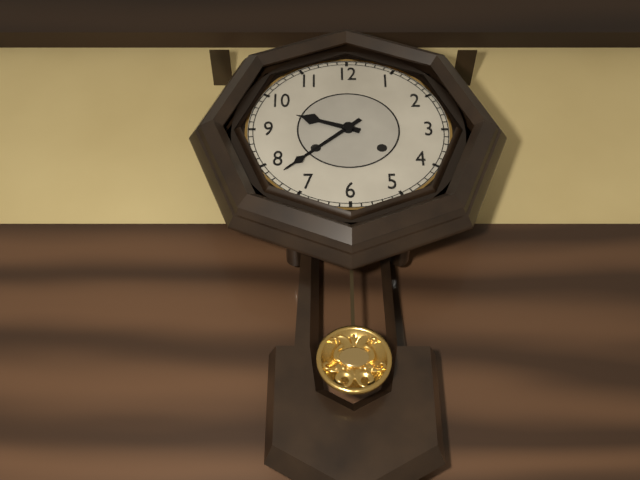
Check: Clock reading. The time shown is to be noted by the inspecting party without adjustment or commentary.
9:38
